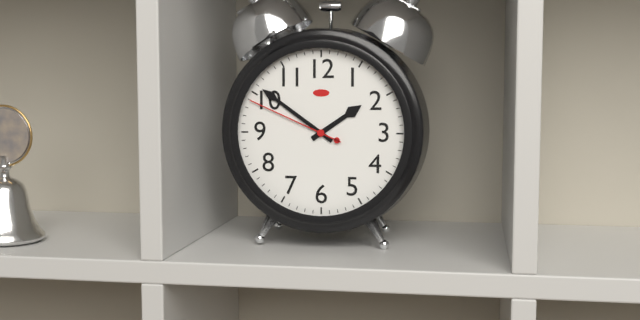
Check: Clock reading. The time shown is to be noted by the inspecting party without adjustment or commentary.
1:51:49
